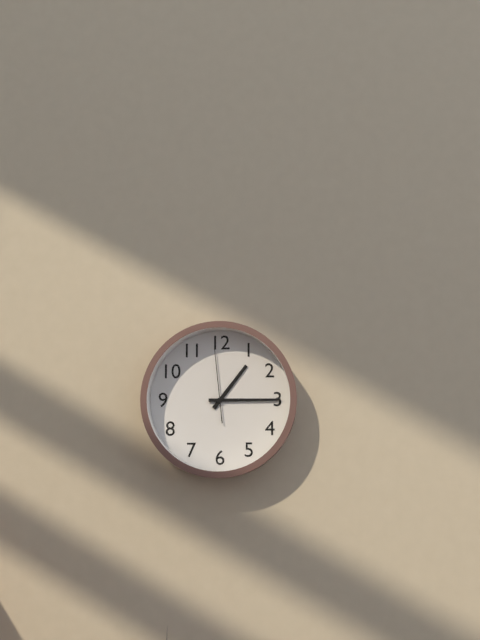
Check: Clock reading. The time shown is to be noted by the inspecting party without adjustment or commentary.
1:15:59
